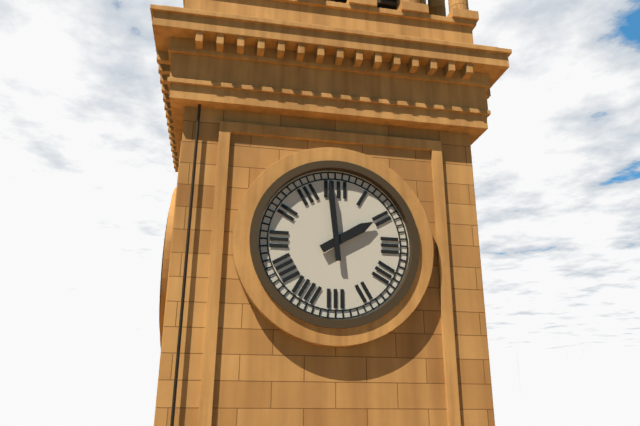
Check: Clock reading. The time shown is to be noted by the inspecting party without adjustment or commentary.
1:59
